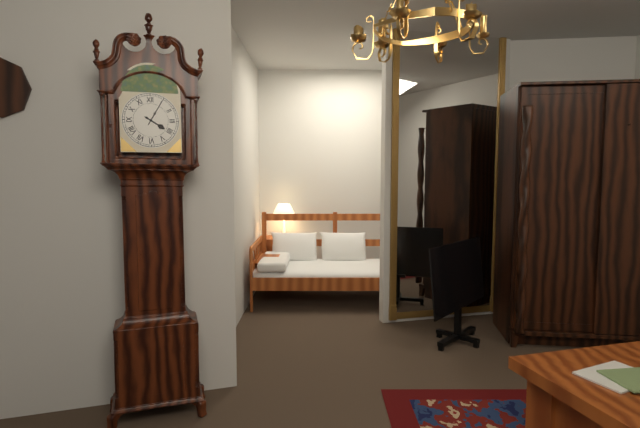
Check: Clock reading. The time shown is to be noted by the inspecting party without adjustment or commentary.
4:05
